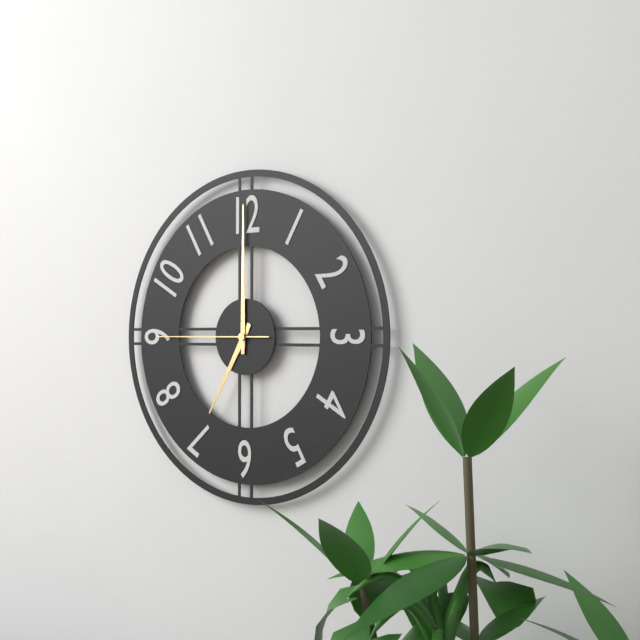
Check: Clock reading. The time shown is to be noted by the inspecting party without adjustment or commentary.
7:00:45
